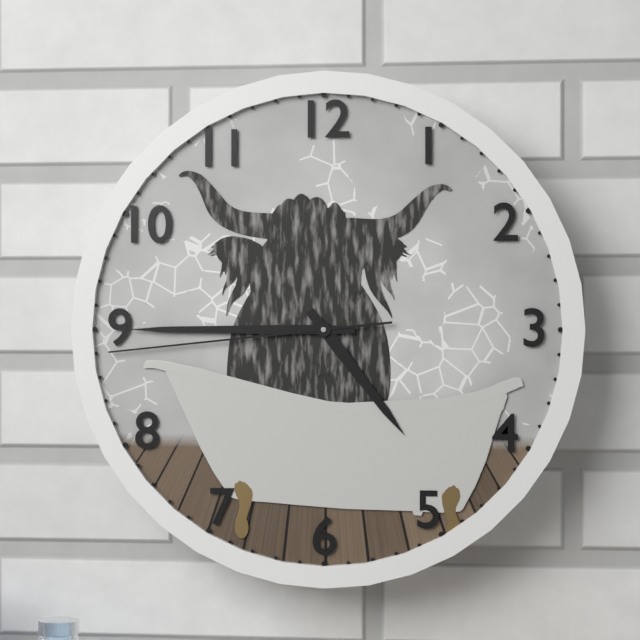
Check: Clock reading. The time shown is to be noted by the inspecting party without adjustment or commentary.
4:45:44
